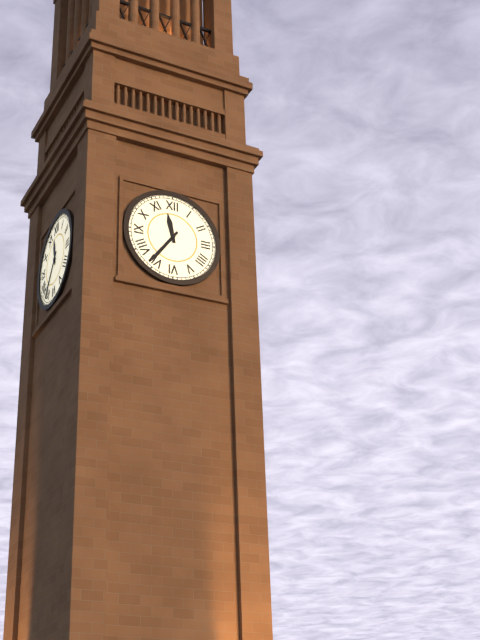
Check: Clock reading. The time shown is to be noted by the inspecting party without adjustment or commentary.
11:36
